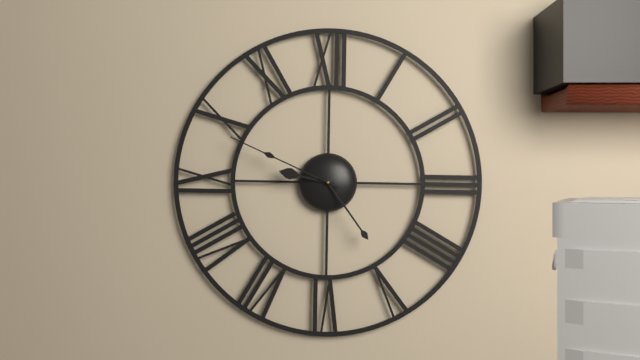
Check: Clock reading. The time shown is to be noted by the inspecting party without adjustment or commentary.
9:24:49
